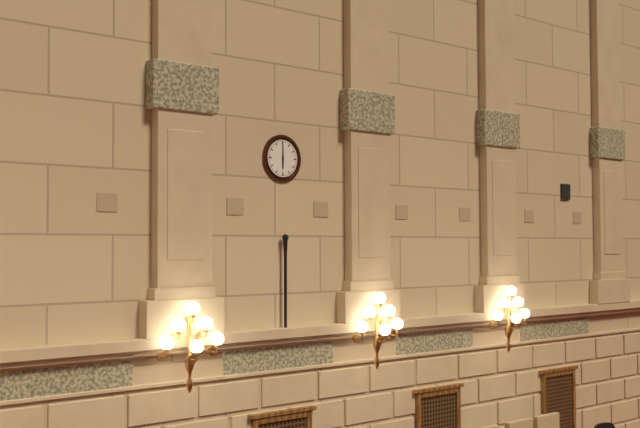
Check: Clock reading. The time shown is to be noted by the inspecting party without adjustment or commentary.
6:00
